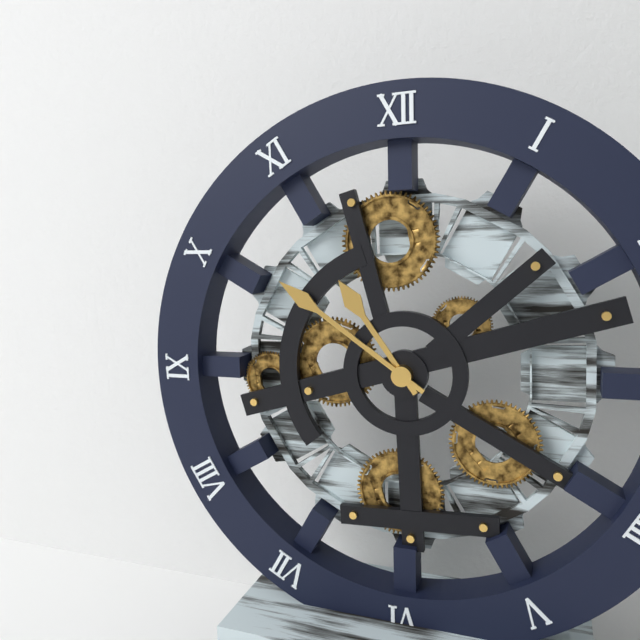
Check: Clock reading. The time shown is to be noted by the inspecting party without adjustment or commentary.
10:51
